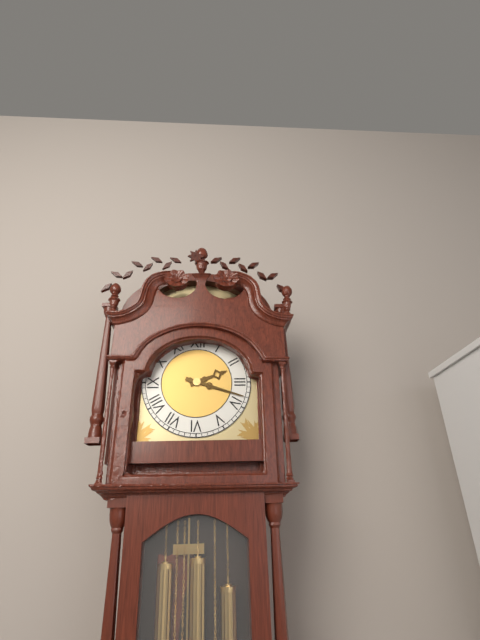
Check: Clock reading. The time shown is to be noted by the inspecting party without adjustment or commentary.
2:18
